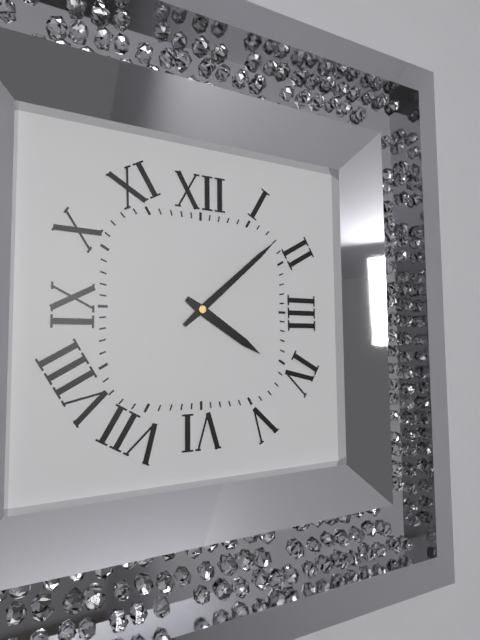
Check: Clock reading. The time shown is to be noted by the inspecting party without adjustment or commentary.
4:08
